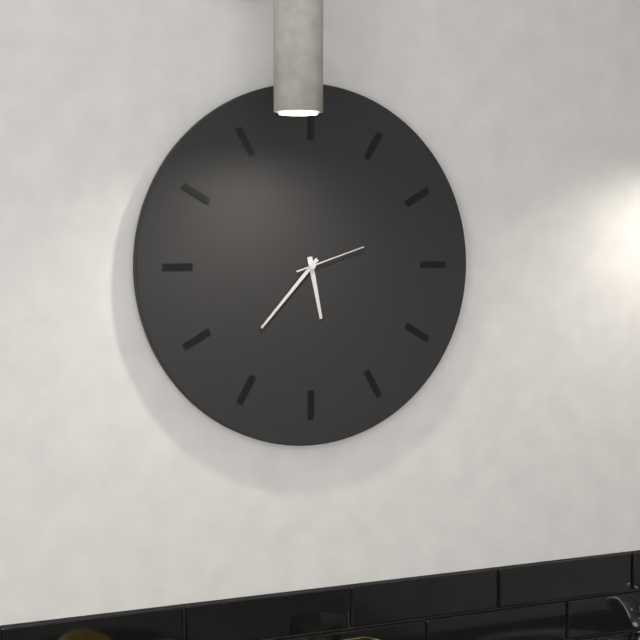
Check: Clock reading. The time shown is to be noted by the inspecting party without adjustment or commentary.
5:37:12
